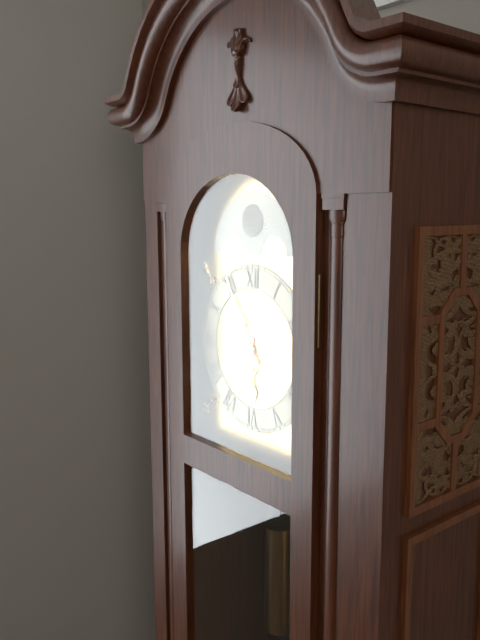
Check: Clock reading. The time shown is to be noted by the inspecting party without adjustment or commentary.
5:55
